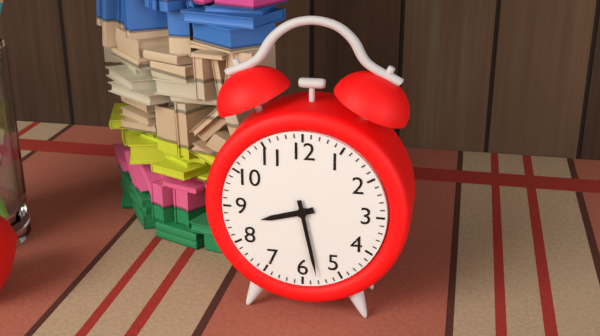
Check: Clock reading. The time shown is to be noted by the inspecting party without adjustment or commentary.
8:28
